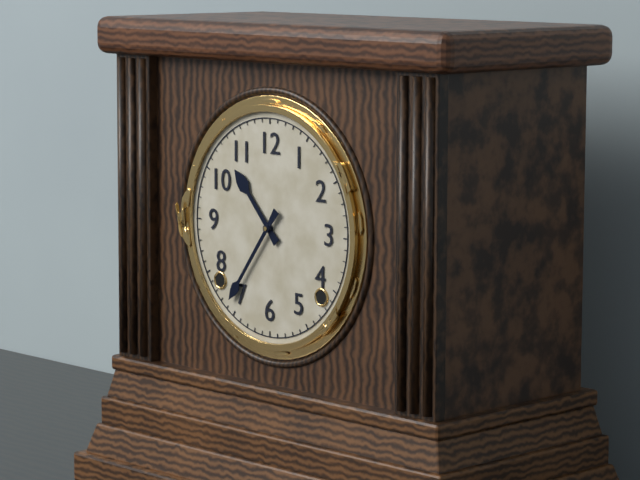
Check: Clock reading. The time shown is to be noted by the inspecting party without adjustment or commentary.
10:36
